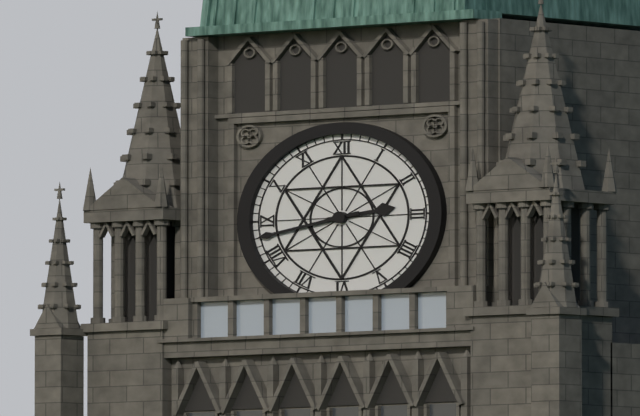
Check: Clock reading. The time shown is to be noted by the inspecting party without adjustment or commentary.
2:43
